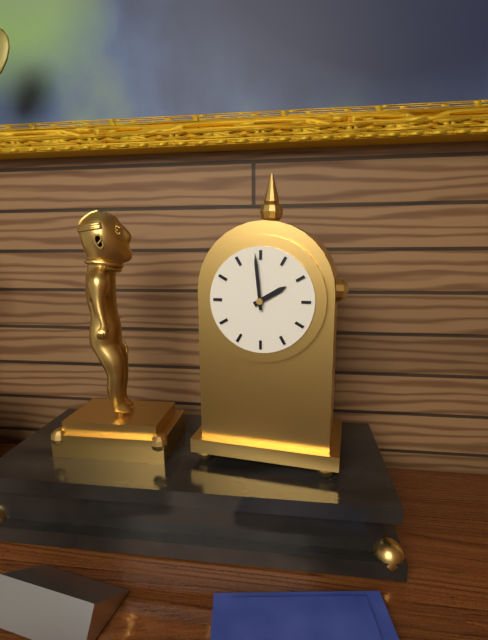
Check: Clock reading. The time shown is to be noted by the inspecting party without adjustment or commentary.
1:59
